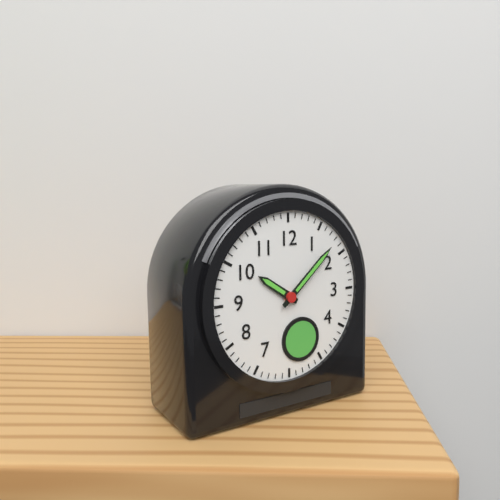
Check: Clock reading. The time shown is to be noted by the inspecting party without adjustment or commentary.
10:08
